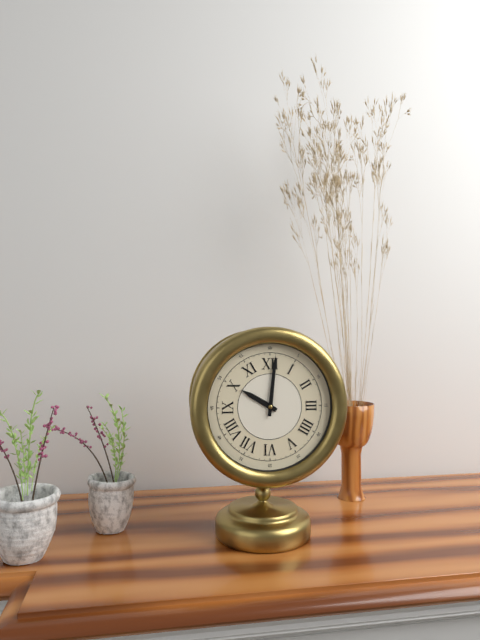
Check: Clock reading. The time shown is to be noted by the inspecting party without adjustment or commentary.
10:01
